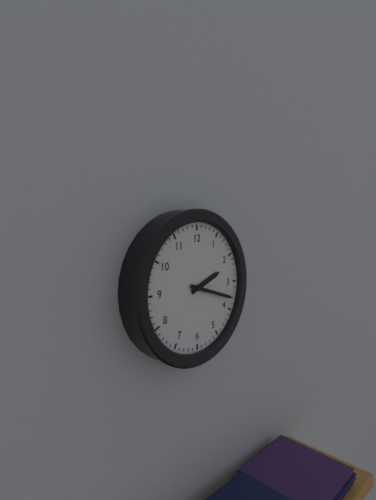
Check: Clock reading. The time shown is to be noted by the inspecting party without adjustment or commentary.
2:18
